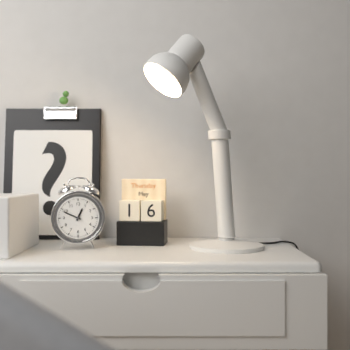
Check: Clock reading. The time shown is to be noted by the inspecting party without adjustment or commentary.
12:49
